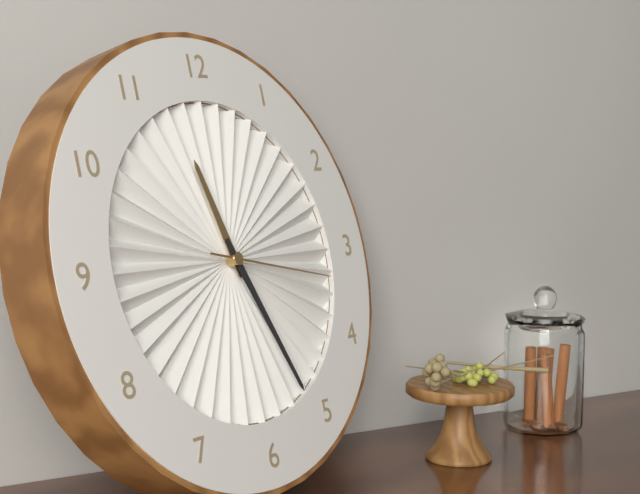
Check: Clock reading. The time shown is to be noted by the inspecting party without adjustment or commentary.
11:26:17
